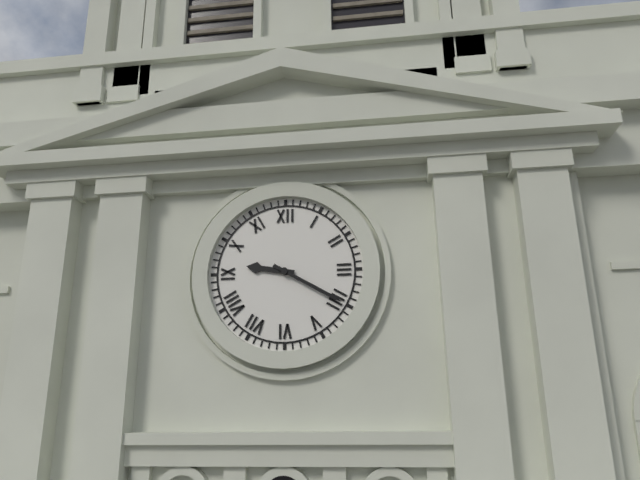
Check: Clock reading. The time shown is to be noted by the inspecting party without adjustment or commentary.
9:20
